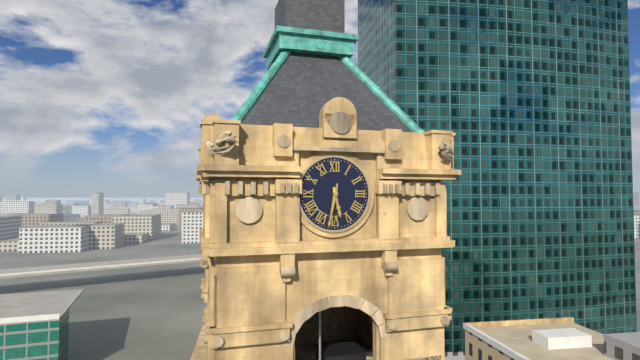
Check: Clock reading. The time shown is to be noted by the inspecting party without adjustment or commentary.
5:32
